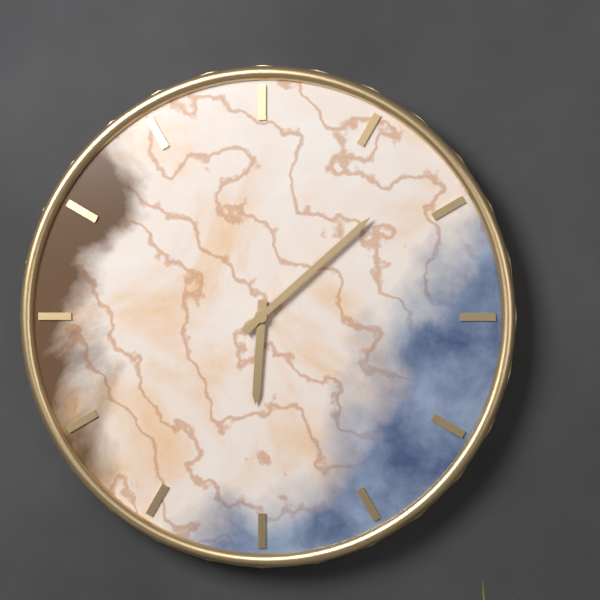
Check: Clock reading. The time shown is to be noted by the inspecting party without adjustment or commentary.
6:08
